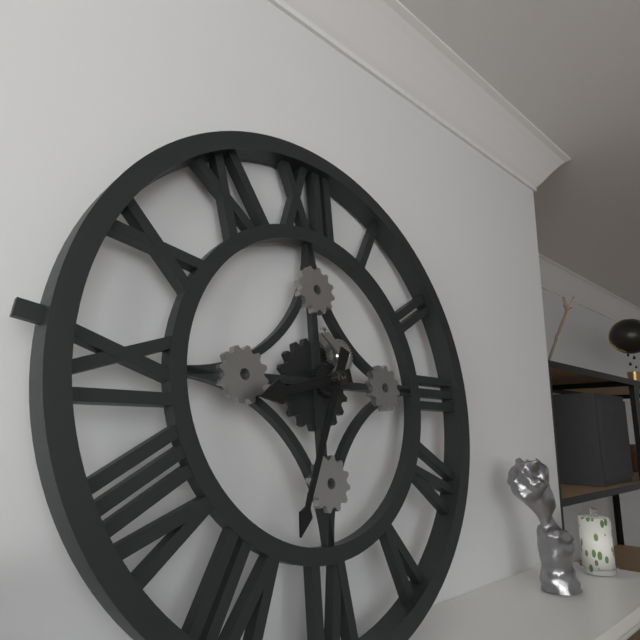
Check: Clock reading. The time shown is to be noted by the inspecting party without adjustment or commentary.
8:34
